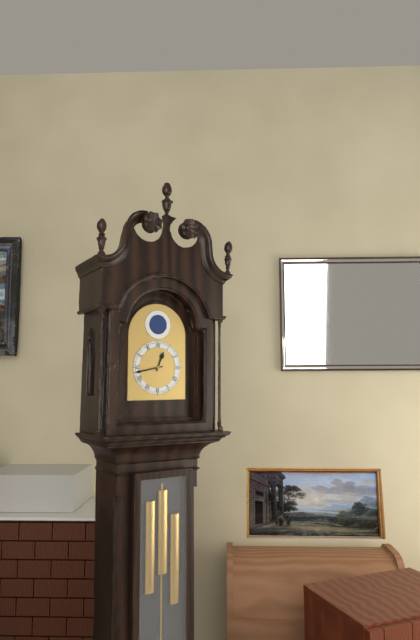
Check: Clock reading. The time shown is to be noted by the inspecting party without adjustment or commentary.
12:43
